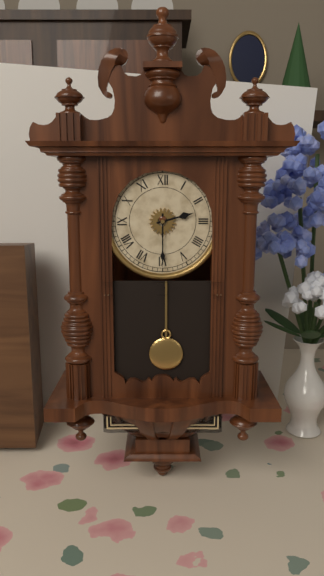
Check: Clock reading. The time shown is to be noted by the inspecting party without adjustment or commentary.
2:30
